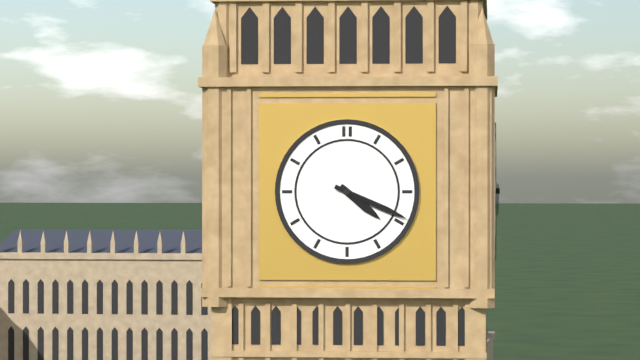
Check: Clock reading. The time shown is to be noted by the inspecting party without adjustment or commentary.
4:19
